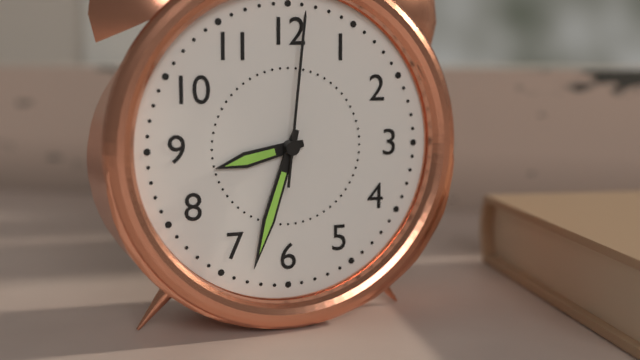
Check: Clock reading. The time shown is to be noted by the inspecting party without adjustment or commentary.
8:33:01
